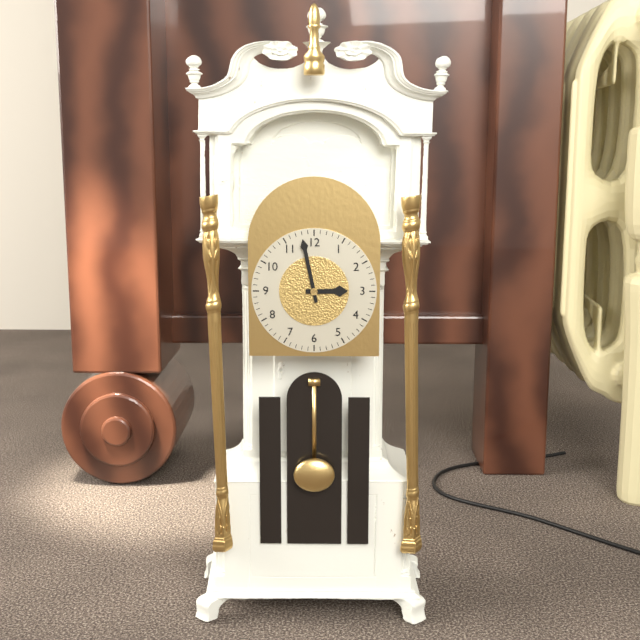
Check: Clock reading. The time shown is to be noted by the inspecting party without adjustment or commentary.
2:58
